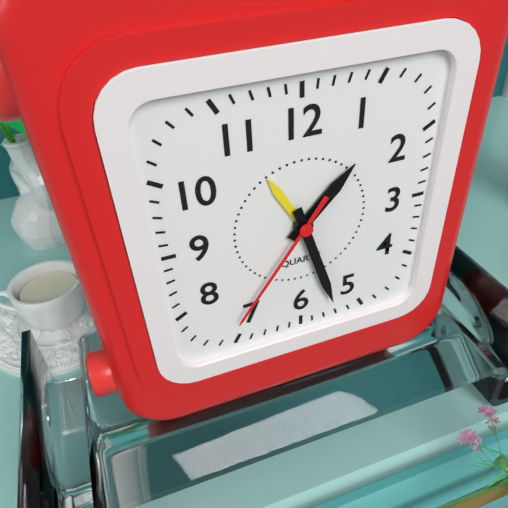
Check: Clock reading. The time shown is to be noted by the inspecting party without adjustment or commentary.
1:27:36
